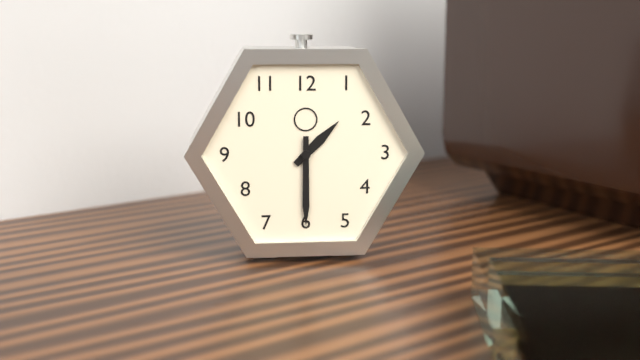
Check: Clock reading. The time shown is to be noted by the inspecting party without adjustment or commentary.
1:30
